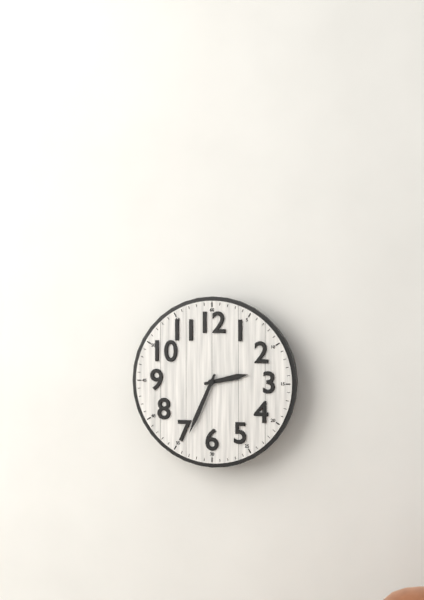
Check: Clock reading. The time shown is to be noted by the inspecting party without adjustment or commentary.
2:34
